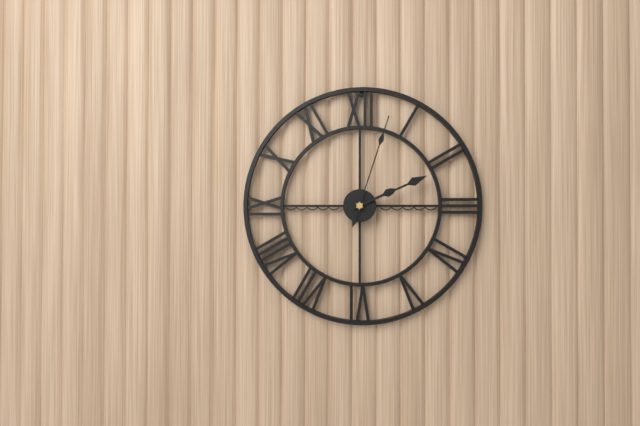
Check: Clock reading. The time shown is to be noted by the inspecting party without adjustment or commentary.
2:11:03
